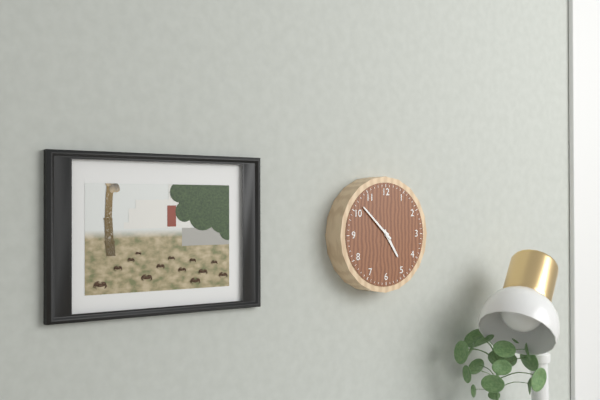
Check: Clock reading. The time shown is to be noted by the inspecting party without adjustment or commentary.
4:52
